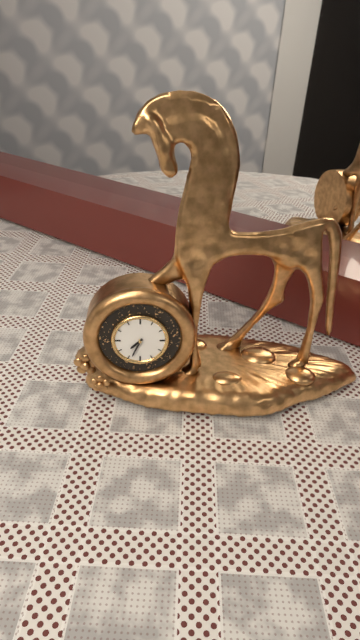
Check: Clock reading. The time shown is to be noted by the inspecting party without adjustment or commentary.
7:34
